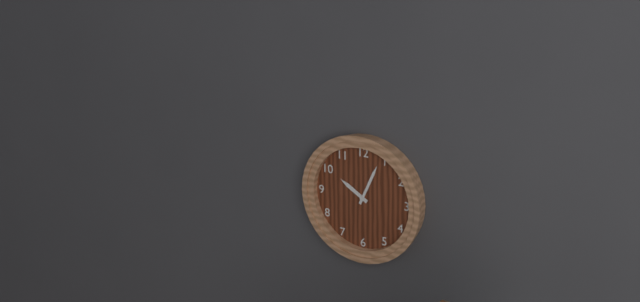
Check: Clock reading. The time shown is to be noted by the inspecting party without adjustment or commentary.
10:04
